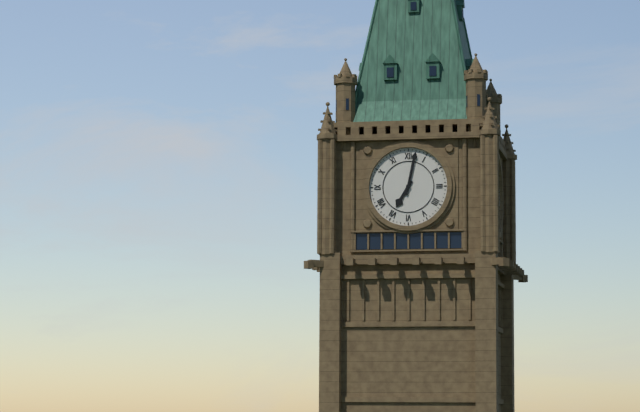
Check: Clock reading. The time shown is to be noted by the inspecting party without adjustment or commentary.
7:02
